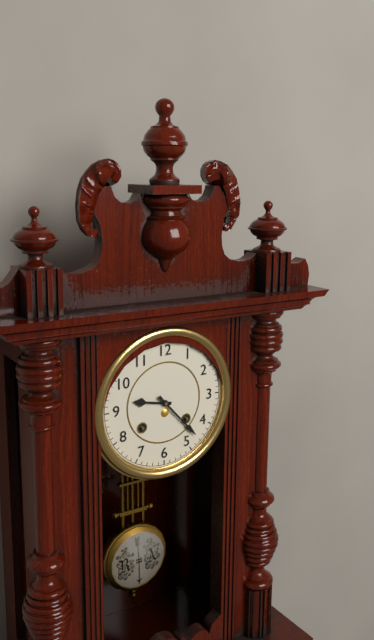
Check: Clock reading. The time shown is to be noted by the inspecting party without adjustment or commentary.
9:23
